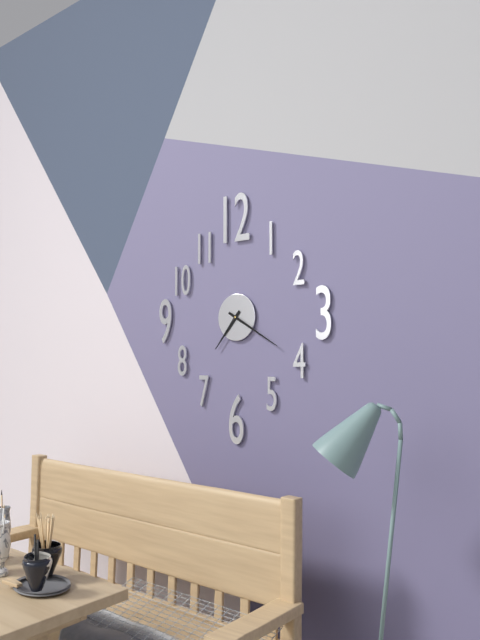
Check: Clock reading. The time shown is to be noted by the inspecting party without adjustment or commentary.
7:20
